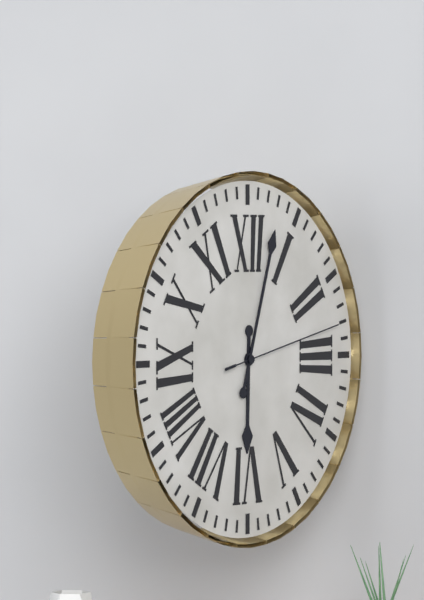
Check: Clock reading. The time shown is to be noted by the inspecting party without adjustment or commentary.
6:03:13
